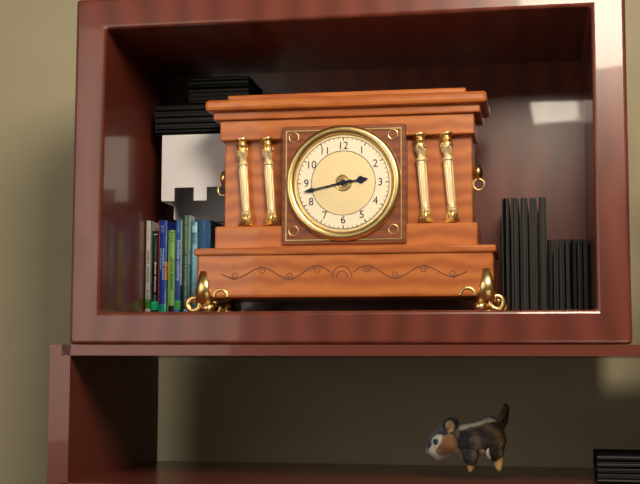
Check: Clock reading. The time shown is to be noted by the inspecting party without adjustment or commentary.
2:43
